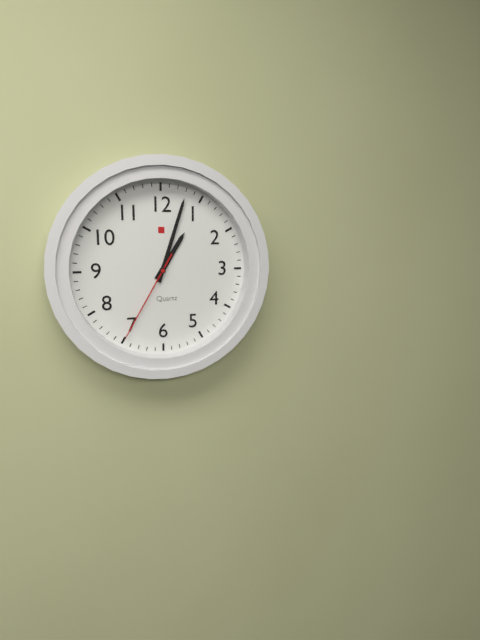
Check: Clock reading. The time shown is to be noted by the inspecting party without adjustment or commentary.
1:03:35
